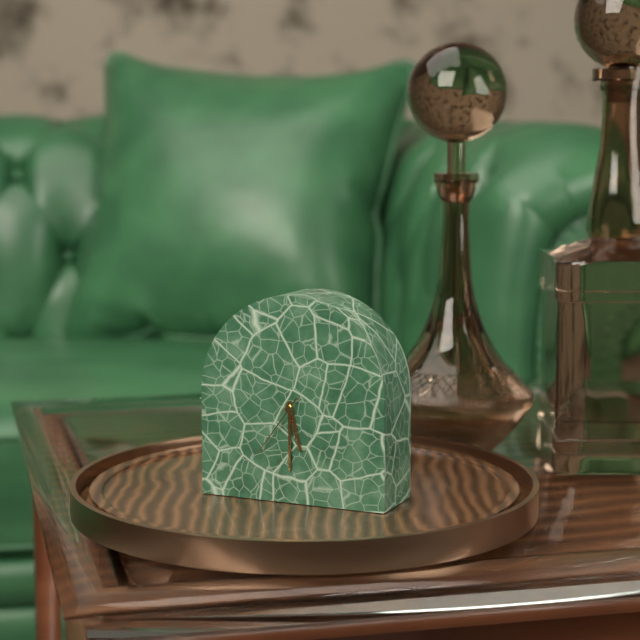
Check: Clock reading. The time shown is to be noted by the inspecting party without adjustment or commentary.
5:30:36
